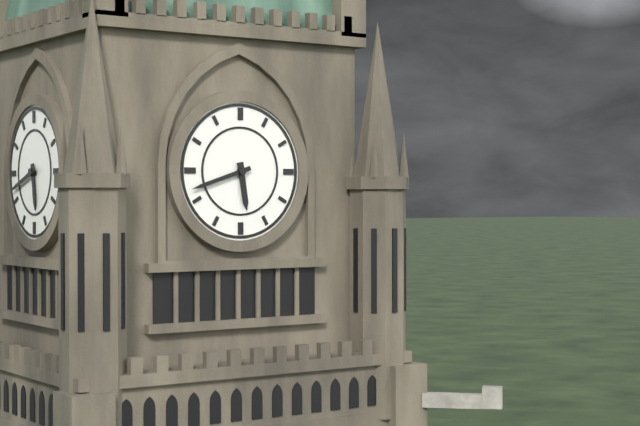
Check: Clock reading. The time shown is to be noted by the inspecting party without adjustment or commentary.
5:42
